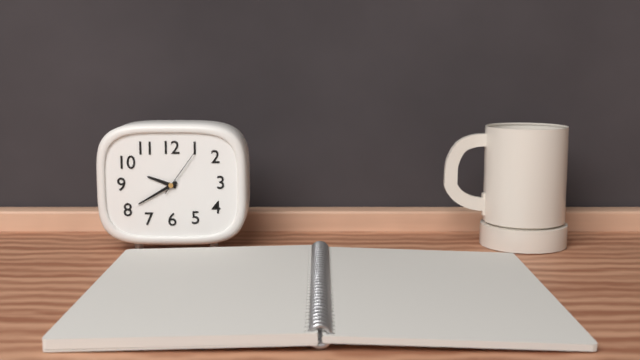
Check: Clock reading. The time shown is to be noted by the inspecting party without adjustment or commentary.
9:40
